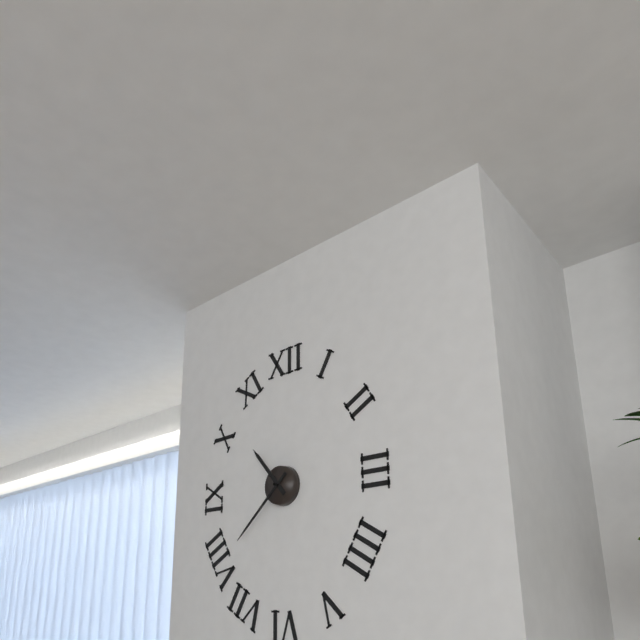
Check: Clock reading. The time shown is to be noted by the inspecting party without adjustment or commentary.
10:38
